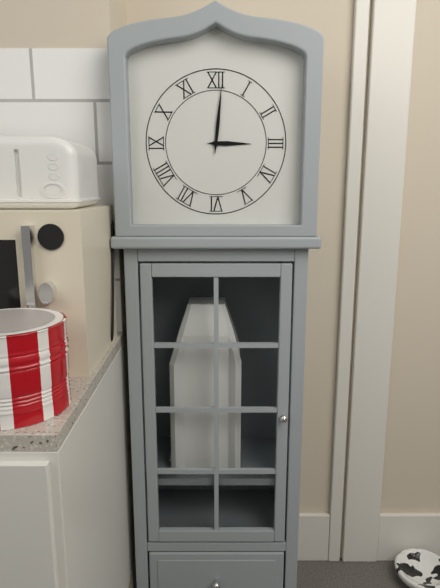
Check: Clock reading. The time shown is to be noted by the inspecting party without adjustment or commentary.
3:01
